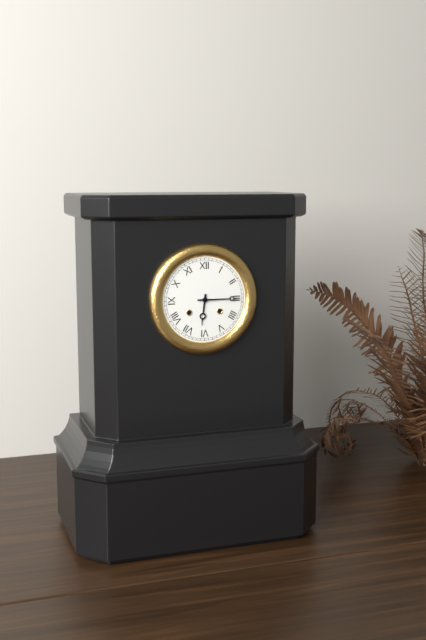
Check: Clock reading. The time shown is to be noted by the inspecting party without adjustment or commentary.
6:15
